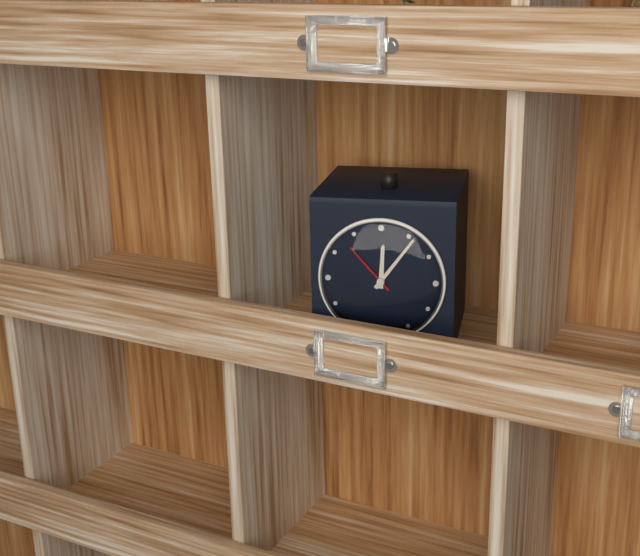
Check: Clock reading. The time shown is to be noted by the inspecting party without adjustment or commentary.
12:06:53
